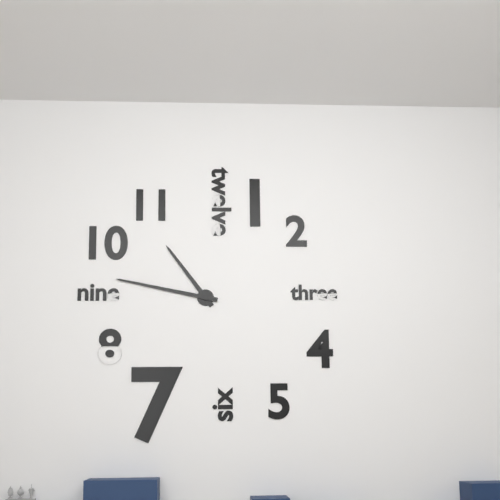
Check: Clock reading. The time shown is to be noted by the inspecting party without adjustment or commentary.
10:47
